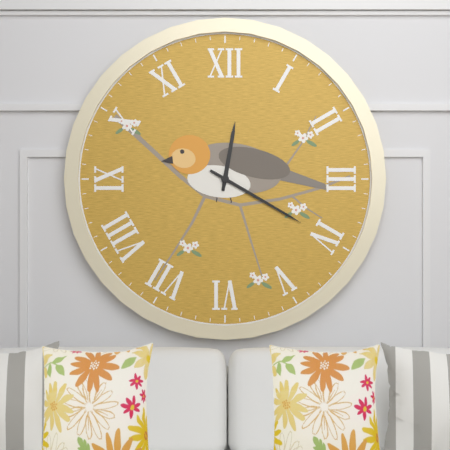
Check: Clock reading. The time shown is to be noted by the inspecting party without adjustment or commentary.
12:20
